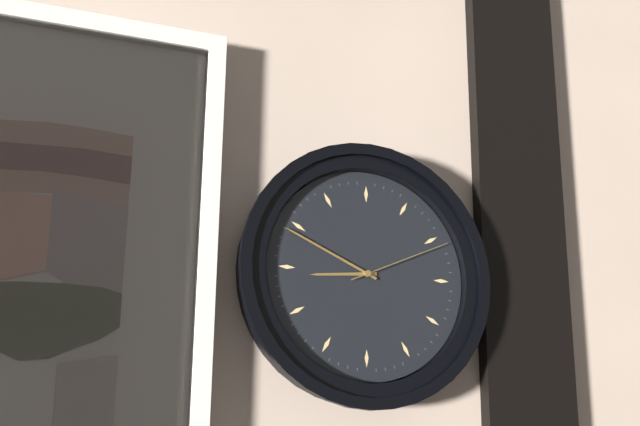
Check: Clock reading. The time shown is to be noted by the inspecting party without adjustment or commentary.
8:49:11
